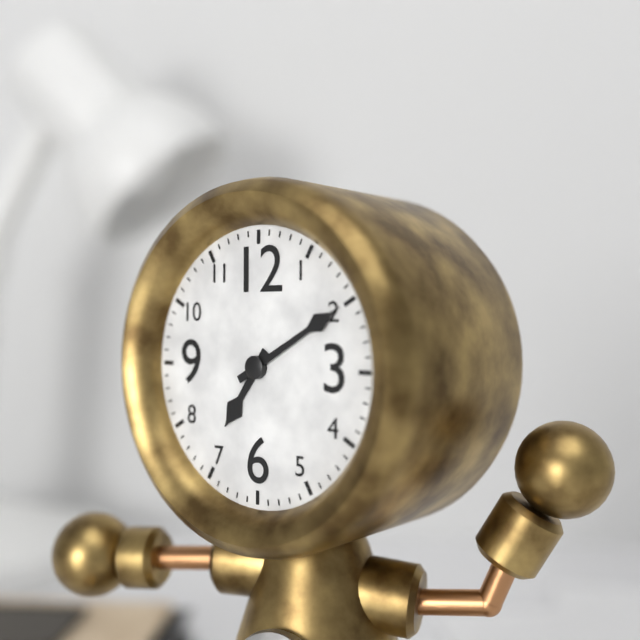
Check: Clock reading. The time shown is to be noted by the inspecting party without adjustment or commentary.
7:10
